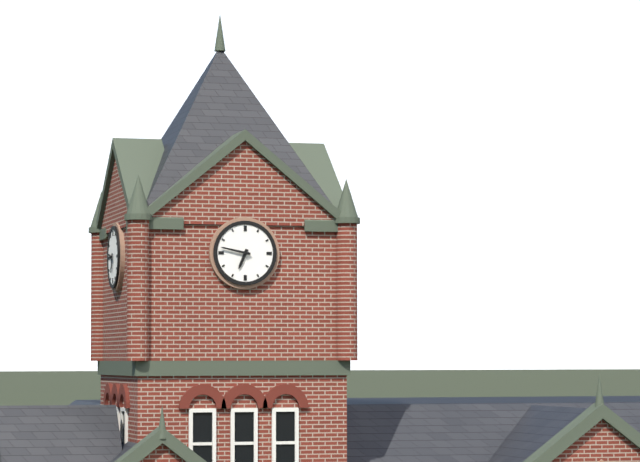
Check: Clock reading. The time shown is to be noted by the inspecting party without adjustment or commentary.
6:47
